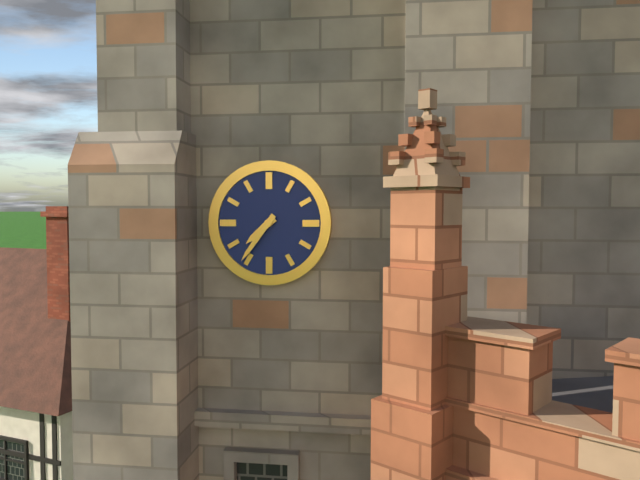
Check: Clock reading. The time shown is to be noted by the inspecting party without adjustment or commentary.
7:36
